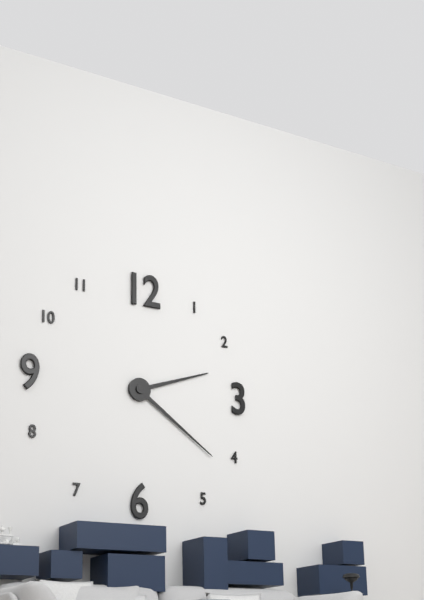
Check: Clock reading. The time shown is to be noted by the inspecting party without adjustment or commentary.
2:21
